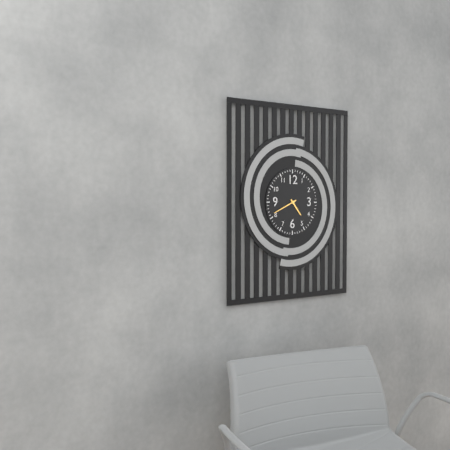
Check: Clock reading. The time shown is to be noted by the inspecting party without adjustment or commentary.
4:41
